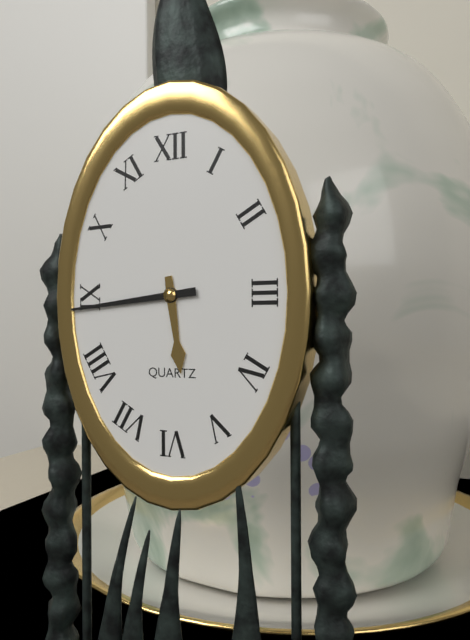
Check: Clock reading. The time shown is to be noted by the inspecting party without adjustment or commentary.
5:44
